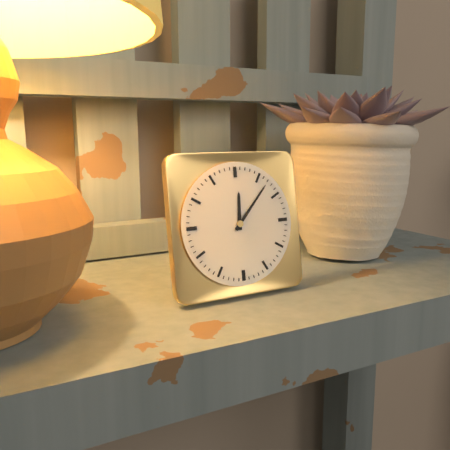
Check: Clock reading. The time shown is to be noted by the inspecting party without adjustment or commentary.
12:07
